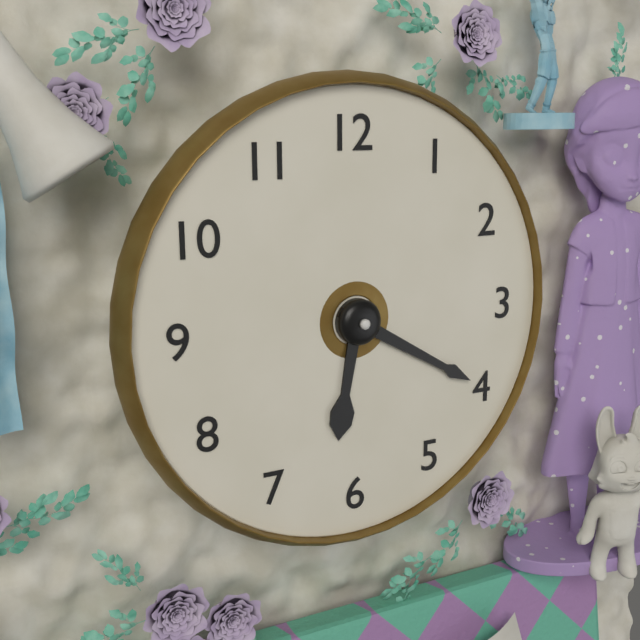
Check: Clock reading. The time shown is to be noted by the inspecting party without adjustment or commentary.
6:20
